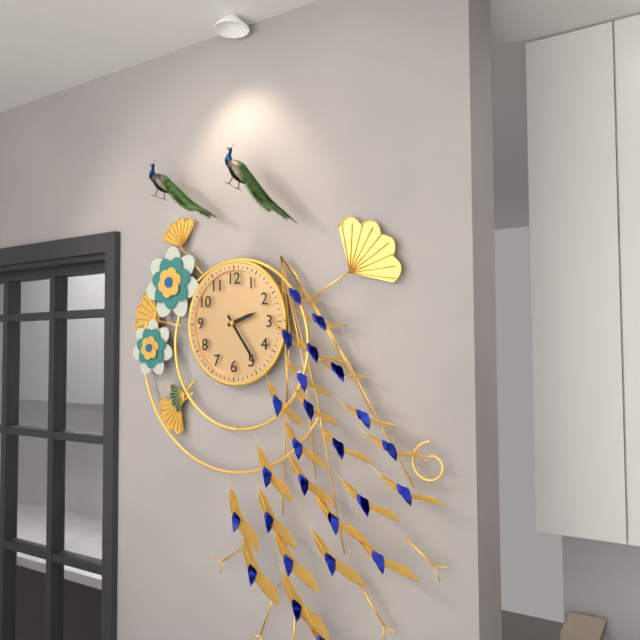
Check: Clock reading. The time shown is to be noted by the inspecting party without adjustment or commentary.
2:24
